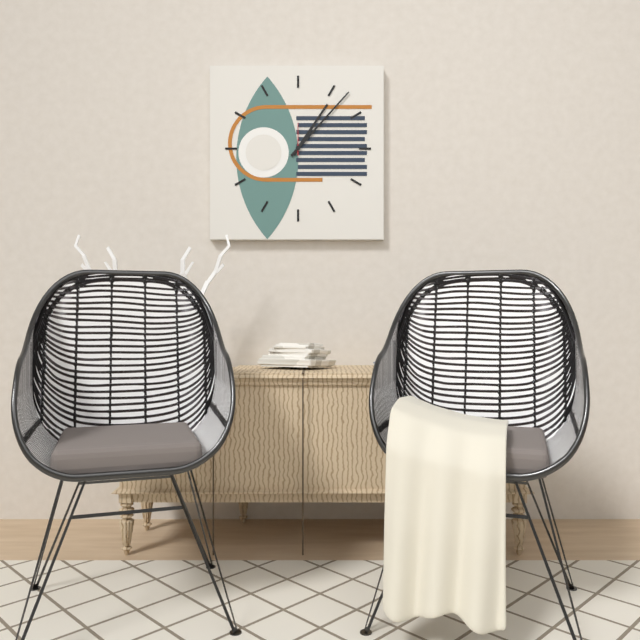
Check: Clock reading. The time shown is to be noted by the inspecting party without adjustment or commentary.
1:07
